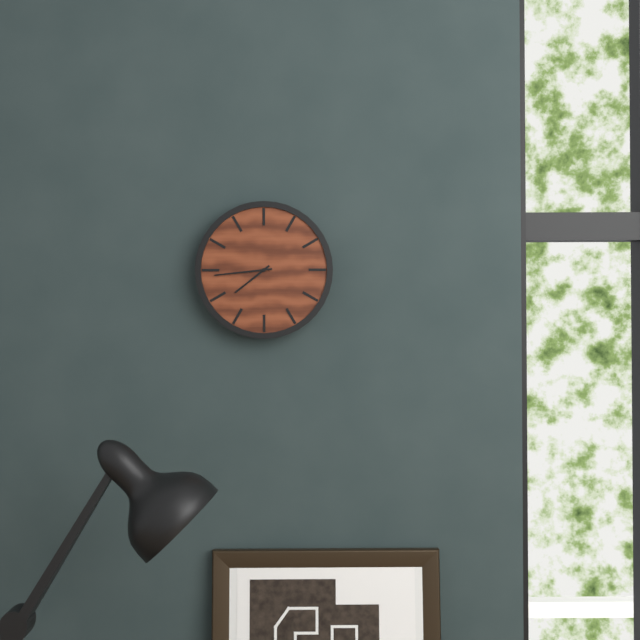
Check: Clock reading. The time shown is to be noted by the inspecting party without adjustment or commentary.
7:44
